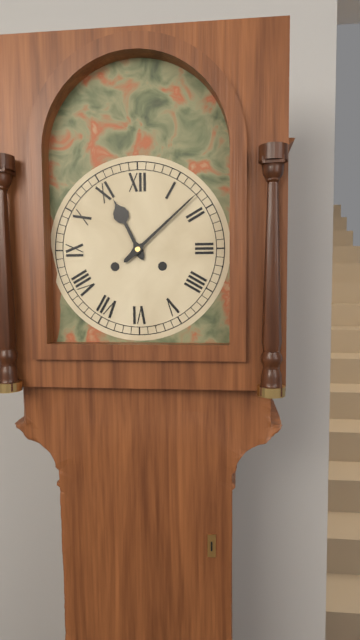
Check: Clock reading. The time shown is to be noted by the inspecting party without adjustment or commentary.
11:08
